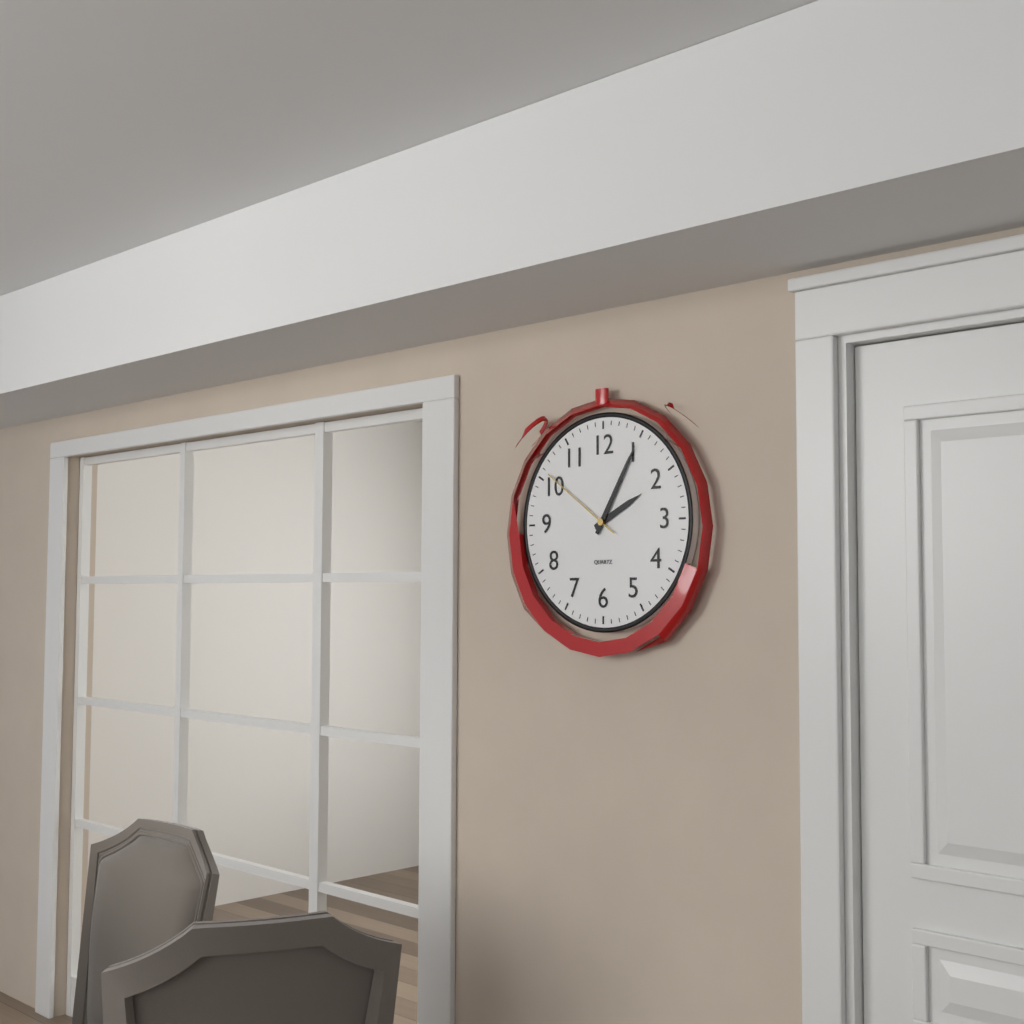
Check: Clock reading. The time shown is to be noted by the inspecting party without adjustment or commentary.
2:05:51
